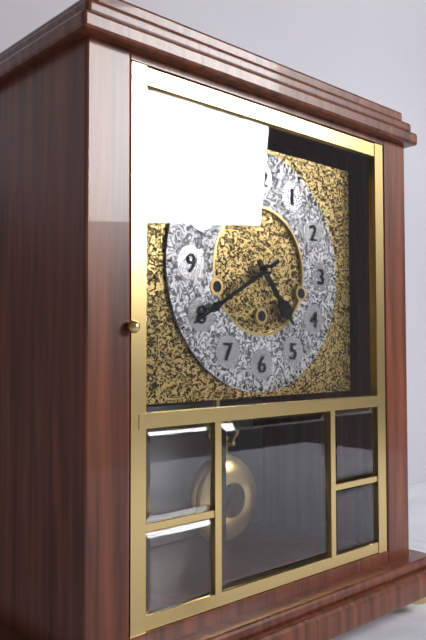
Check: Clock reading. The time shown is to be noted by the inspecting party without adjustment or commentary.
4:40
